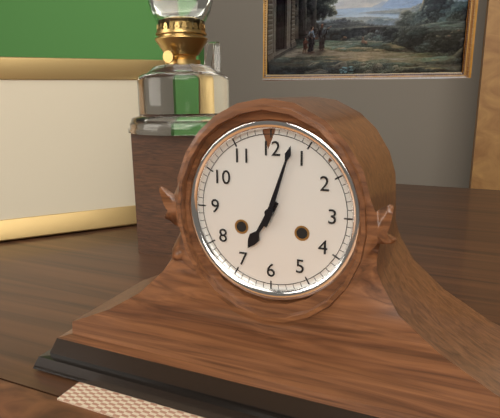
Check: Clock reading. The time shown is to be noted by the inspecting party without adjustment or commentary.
7:03
